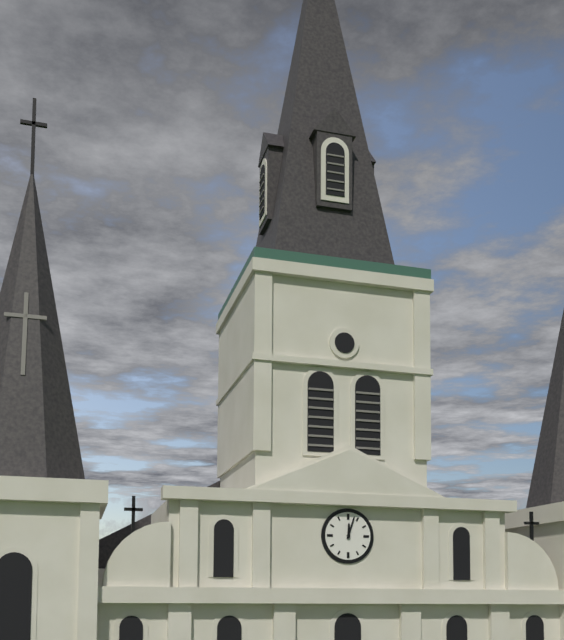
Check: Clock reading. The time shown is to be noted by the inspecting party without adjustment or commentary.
12:03
